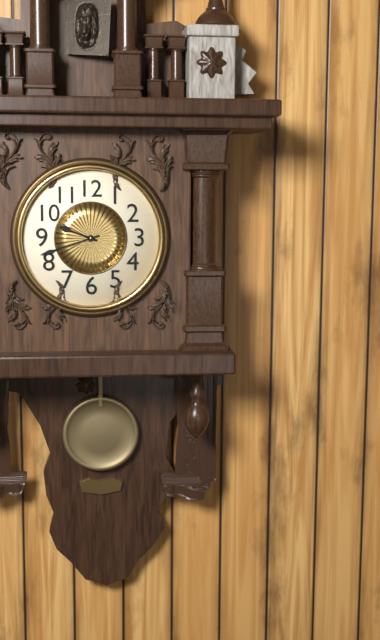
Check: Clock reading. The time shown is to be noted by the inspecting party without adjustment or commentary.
9:42
